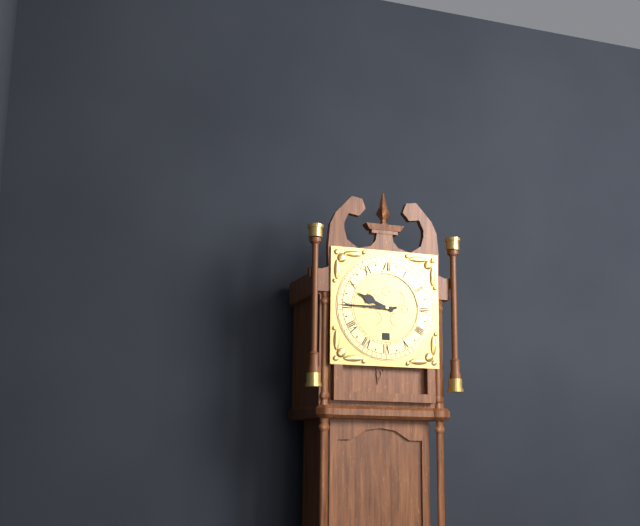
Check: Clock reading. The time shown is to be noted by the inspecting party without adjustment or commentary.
9:45
